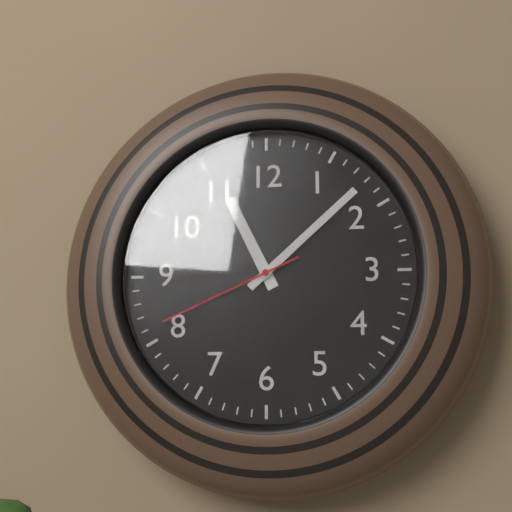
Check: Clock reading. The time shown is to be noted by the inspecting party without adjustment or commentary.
11:08:41
